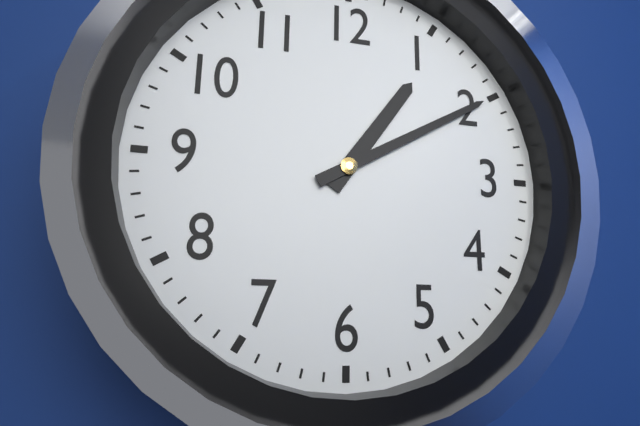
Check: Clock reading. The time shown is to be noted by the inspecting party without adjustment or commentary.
1:10
